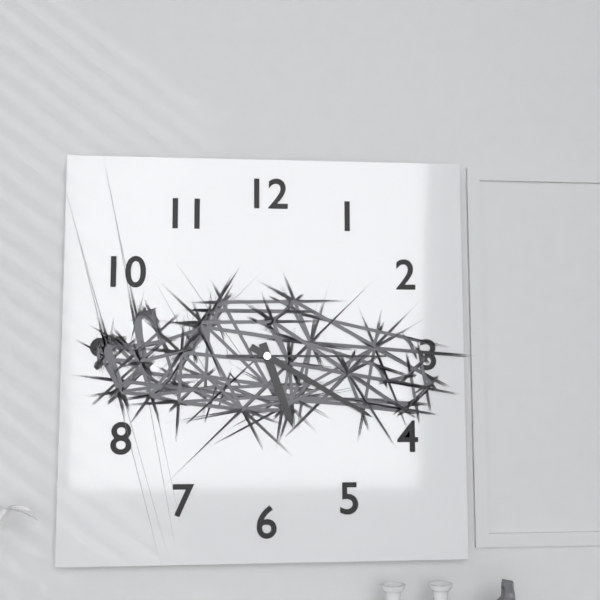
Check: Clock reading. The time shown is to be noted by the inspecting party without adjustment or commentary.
5:20:15
